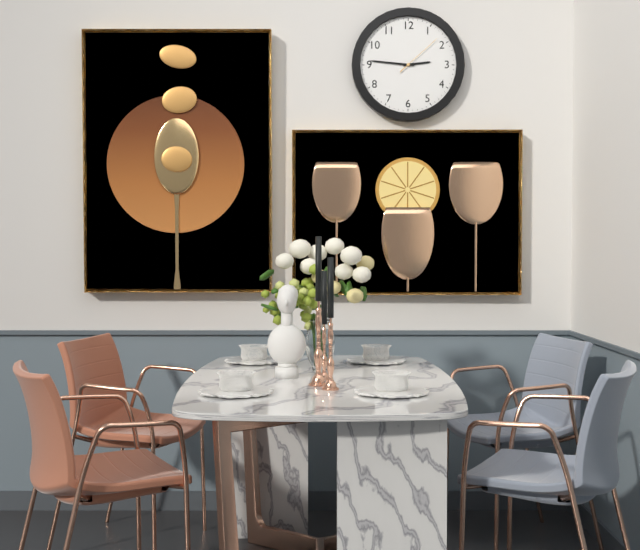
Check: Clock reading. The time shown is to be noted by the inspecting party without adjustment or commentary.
2:46:08
